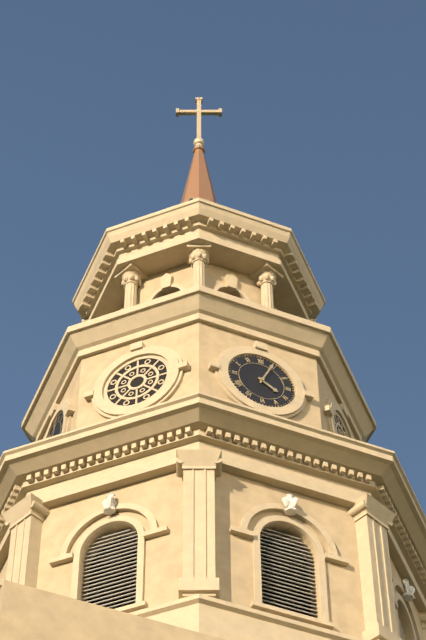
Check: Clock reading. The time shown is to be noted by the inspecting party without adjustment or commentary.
4:04
